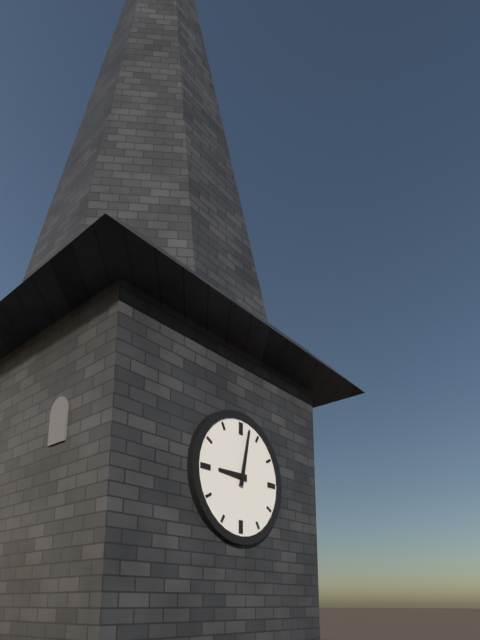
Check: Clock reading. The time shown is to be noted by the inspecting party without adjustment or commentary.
9:02
